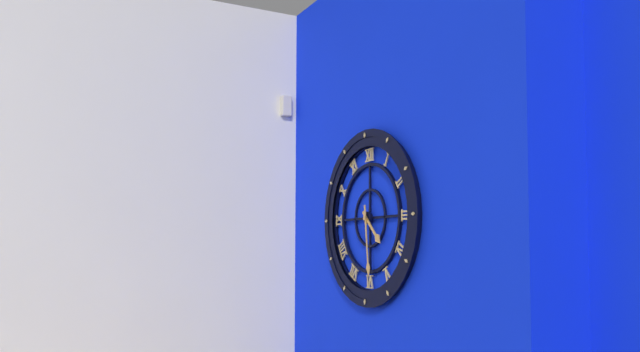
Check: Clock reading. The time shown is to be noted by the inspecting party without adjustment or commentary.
4:29
